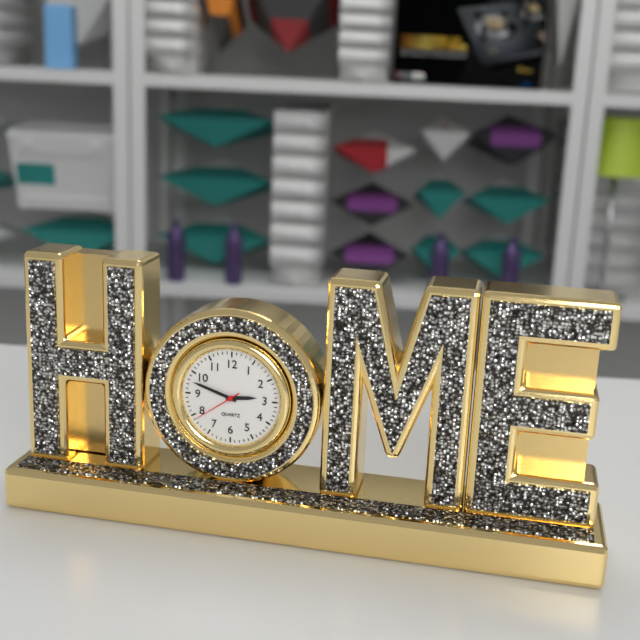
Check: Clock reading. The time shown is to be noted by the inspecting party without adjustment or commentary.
2:48
